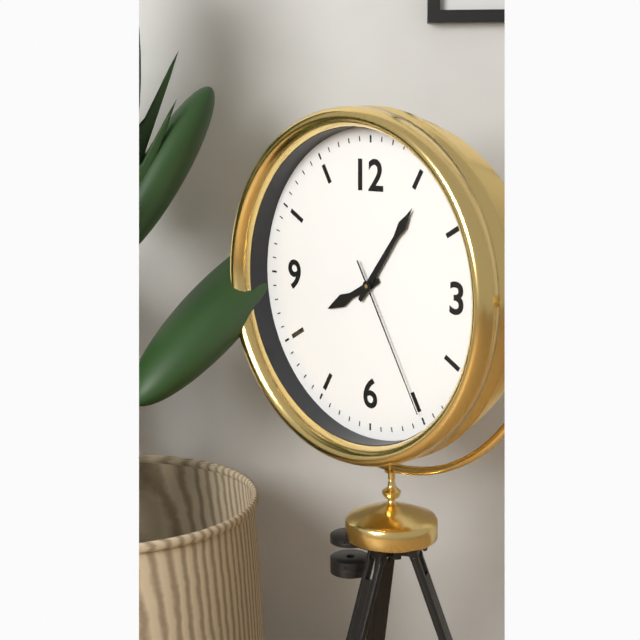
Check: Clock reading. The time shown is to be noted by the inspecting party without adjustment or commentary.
8:06:25
